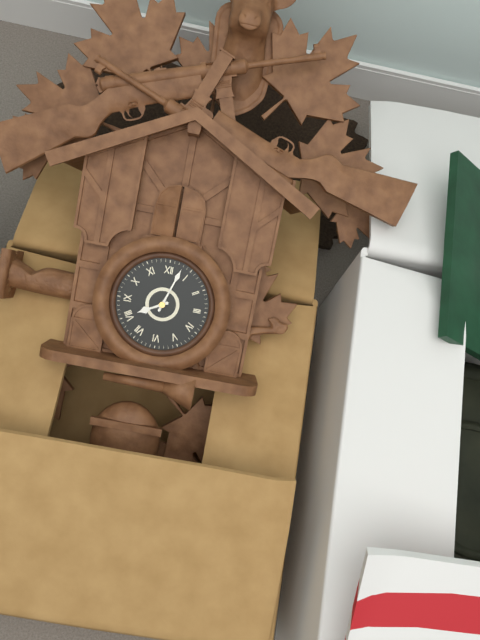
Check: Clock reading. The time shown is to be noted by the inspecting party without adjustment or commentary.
8:03
